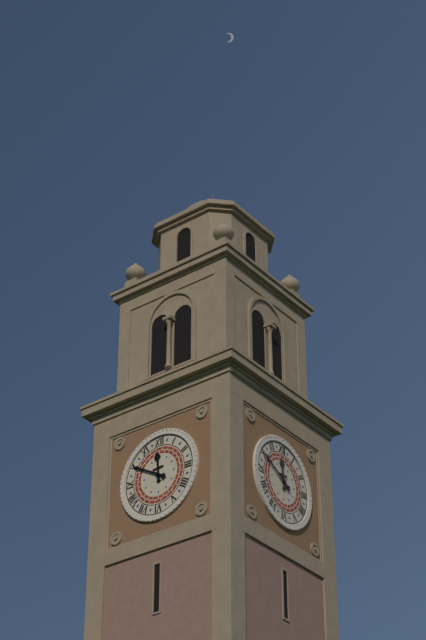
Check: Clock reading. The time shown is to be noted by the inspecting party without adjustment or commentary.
11:50
